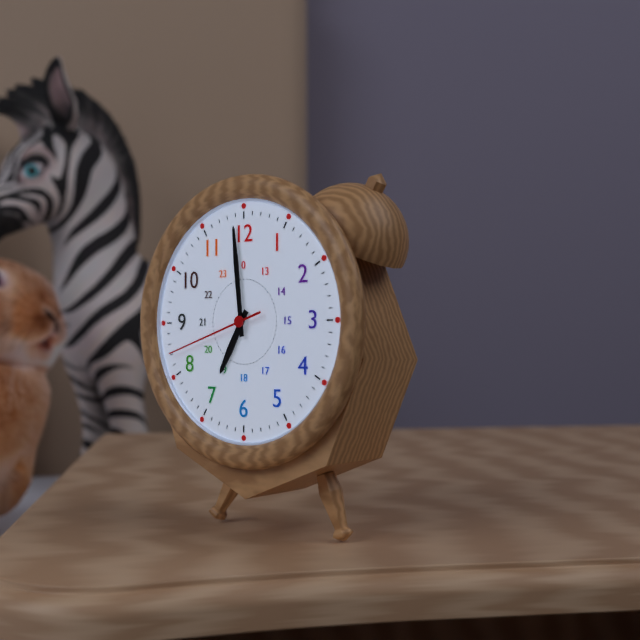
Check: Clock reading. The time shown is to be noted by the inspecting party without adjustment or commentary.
6:59:42
